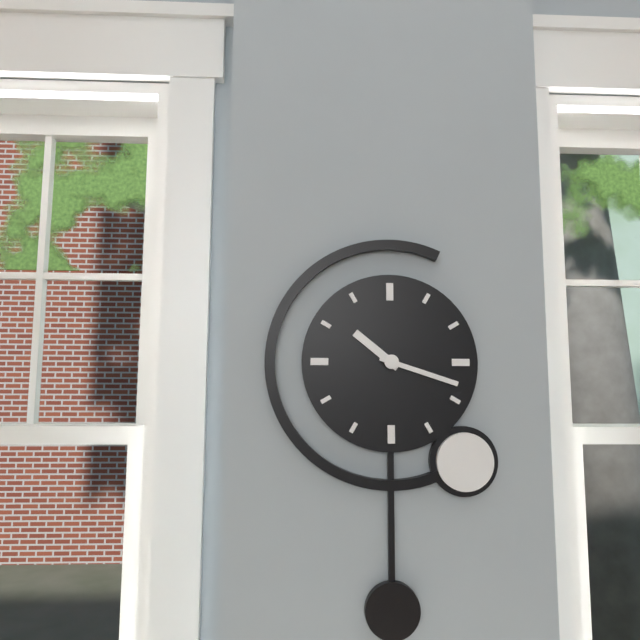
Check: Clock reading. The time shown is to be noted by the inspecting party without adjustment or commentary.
10:18
